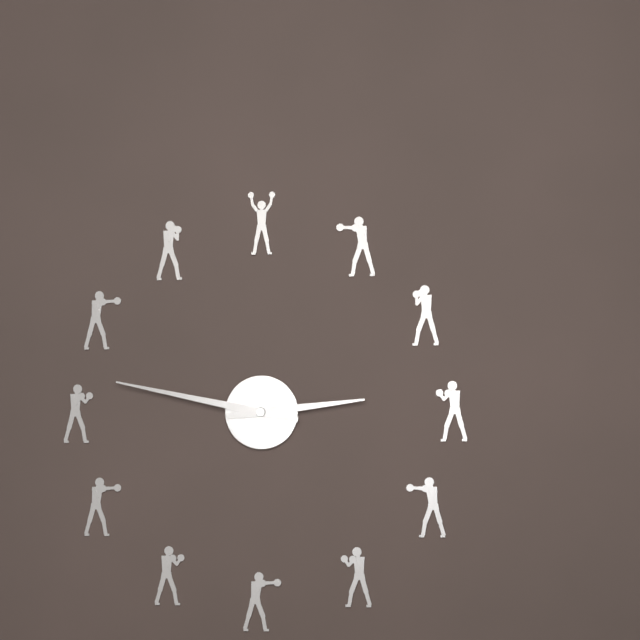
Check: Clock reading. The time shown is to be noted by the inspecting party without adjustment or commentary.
2:47
